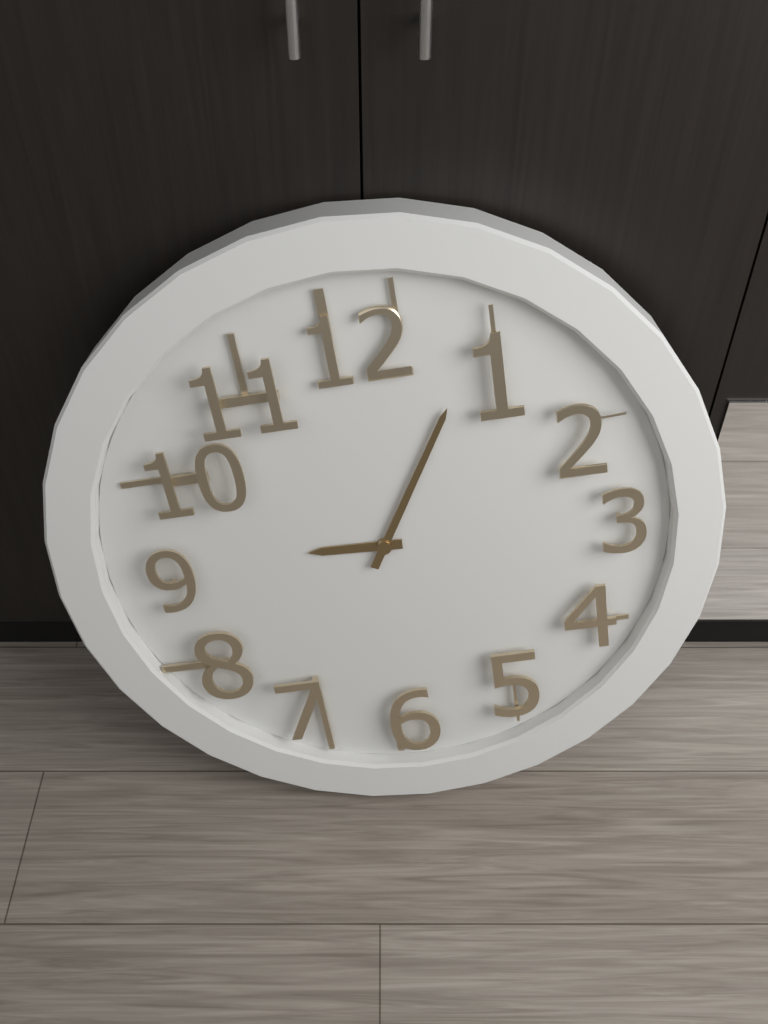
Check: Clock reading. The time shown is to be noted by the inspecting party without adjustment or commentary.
9:05
